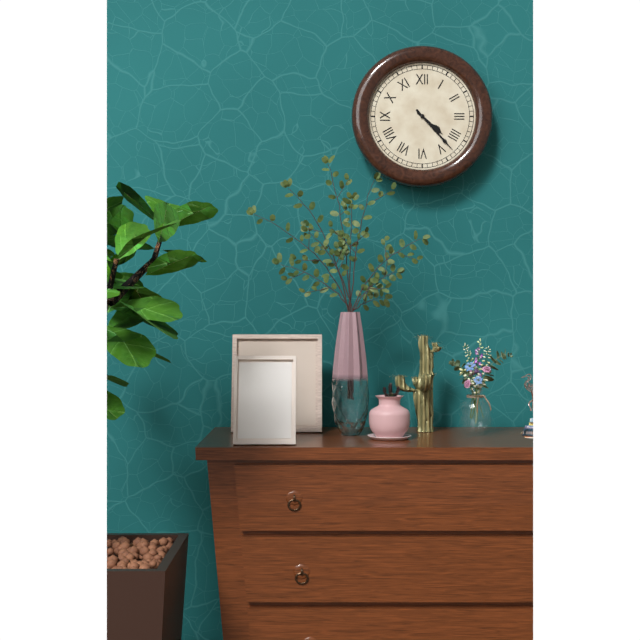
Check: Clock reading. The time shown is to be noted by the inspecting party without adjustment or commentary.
4:23
